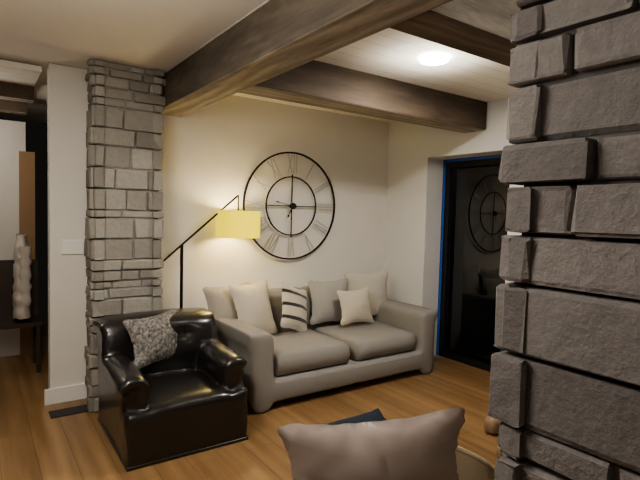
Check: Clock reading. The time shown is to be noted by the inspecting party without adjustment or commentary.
6:47
